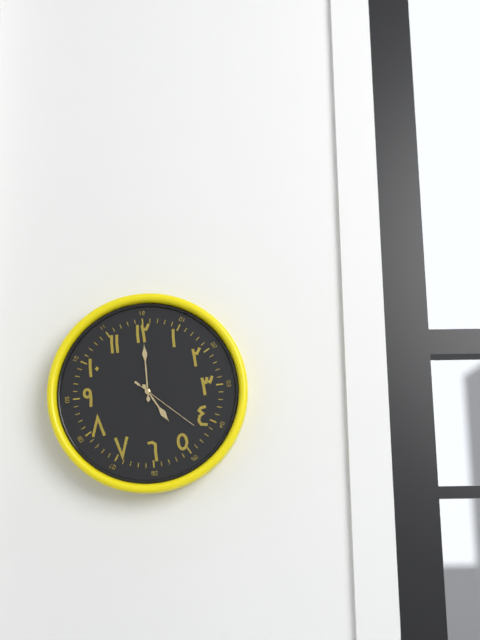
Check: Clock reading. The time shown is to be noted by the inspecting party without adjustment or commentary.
5:00:22
